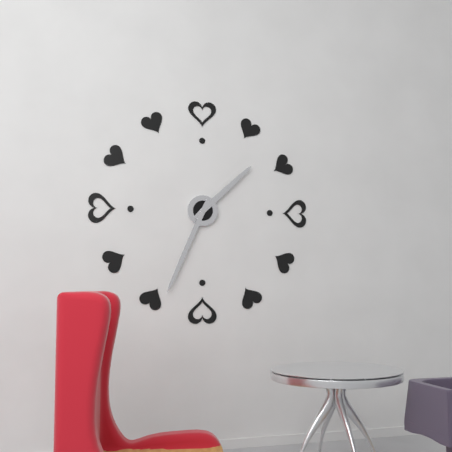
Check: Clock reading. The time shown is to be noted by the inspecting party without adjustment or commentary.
1:34
